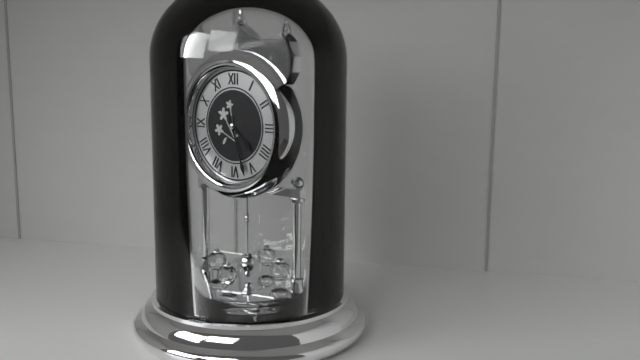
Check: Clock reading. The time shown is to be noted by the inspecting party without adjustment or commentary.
4:27
